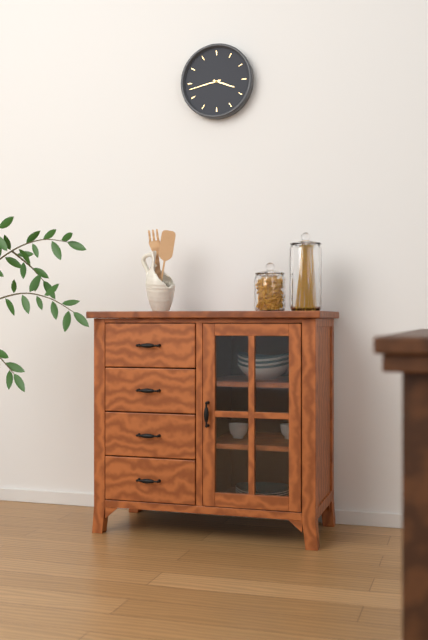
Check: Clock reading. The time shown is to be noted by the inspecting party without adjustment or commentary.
3:43
